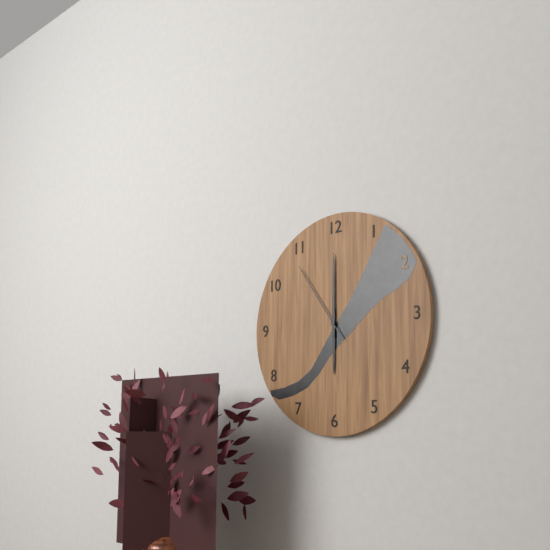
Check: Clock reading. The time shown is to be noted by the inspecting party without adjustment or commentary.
6:00:54
